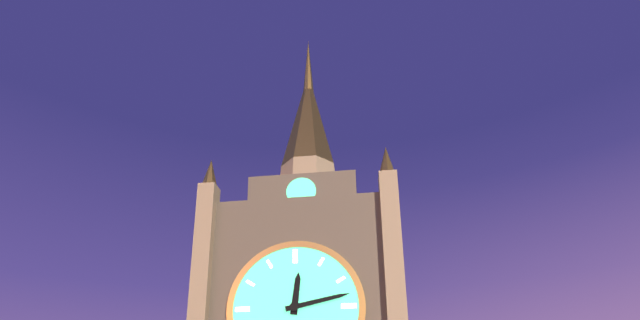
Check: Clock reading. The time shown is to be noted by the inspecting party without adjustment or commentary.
12:13
